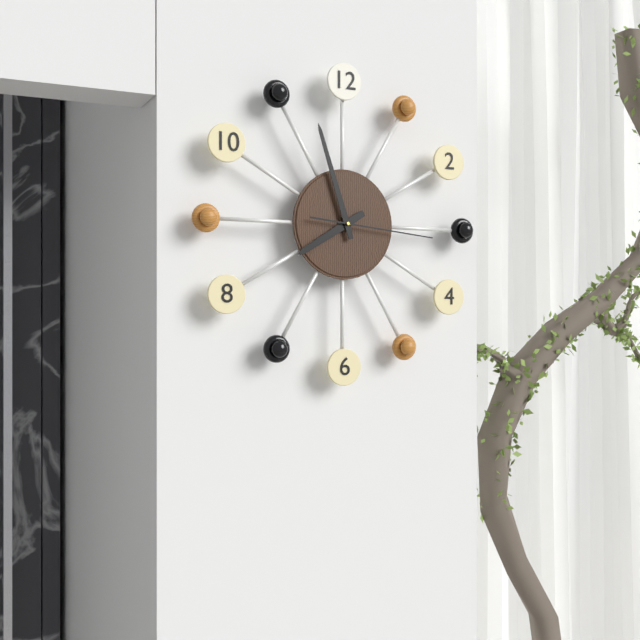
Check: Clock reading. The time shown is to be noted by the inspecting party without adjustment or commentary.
7:57:16
